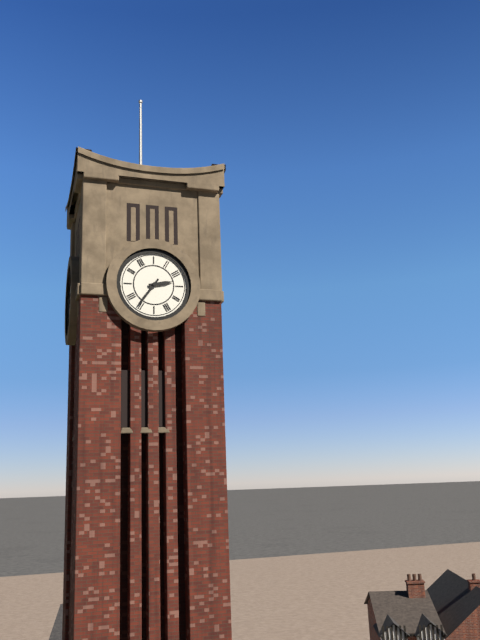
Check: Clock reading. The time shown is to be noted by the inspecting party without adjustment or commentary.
2:36
